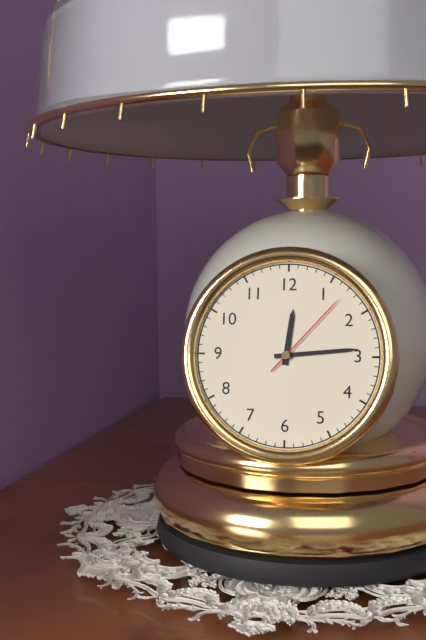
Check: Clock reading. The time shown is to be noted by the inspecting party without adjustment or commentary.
12:14:07
